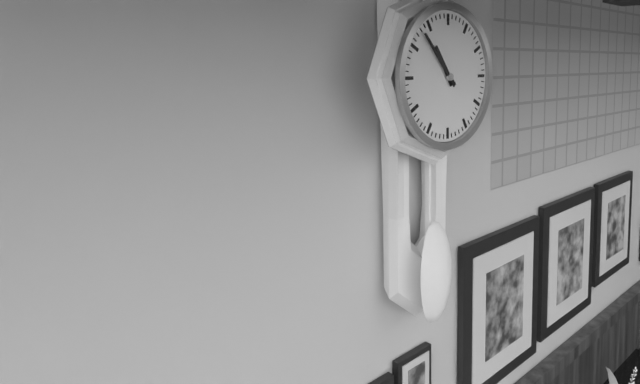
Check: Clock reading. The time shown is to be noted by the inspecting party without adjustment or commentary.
10:53
